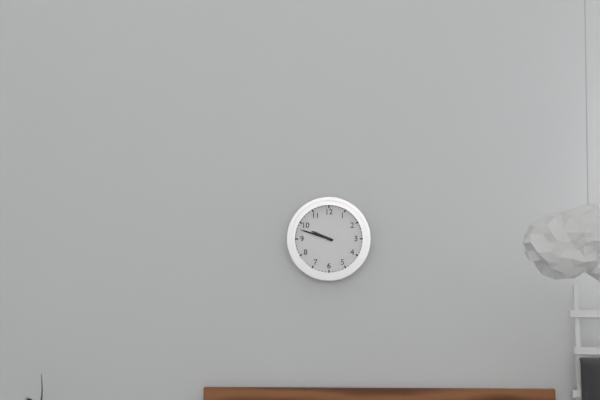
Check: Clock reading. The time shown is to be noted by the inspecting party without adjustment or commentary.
9:48
